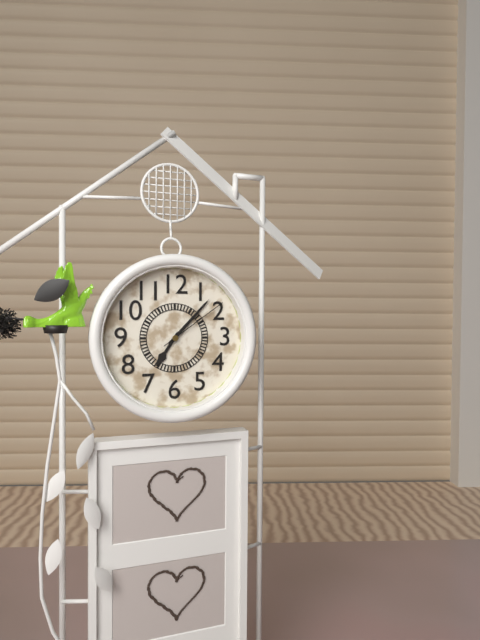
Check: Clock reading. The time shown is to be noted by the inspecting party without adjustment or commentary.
7:07:09
